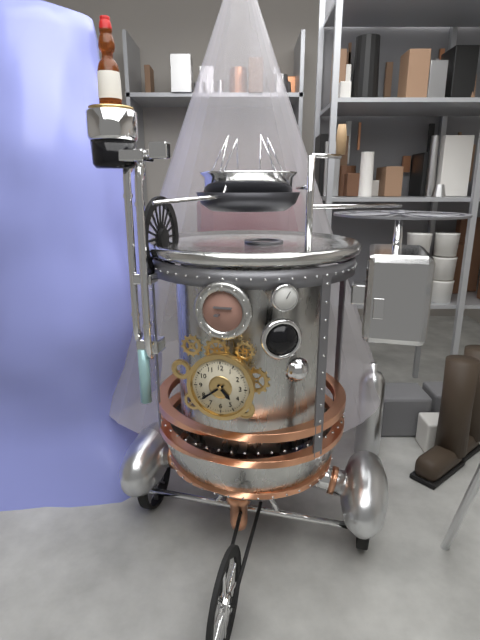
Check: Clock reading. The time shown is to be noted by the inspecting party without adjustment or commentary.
4:39
